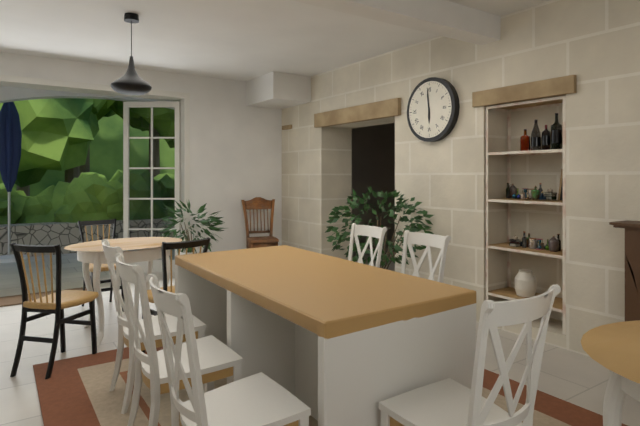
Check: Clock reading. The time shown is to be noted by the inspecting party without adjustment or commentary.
5:59
